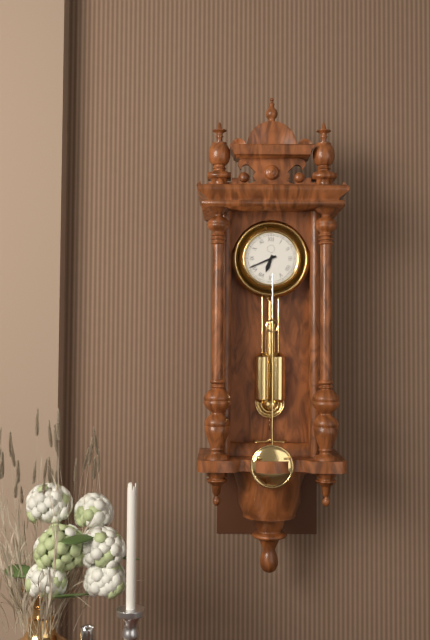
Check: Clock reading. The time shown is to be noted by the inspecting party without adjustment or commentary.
6:41
